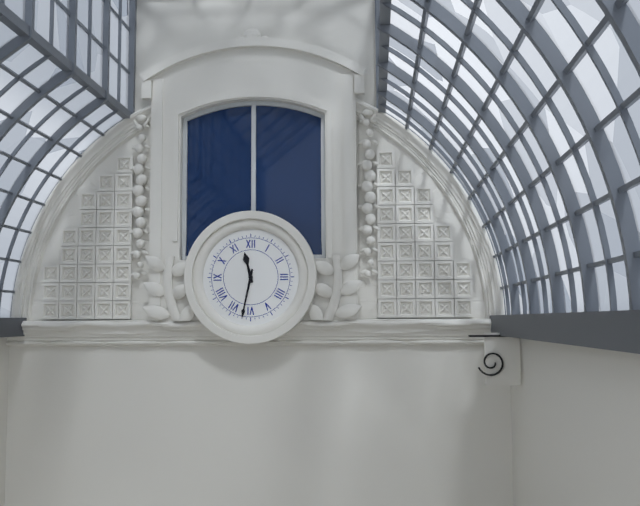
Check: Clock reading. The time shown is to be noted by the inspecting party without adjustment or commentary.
11:32
